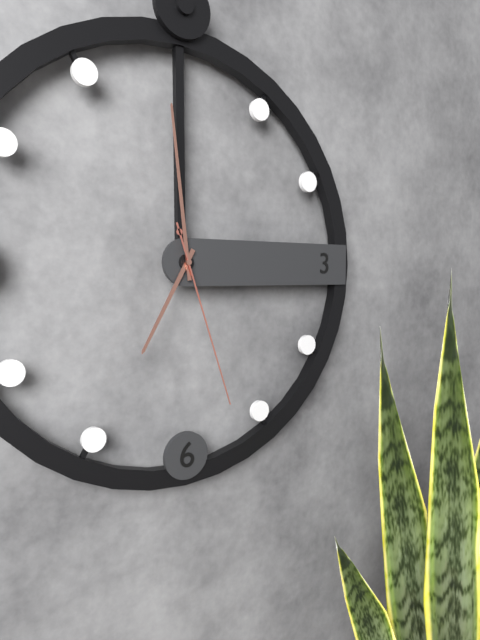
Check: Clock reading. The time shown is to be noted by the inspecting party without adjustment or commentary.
6:59:27
